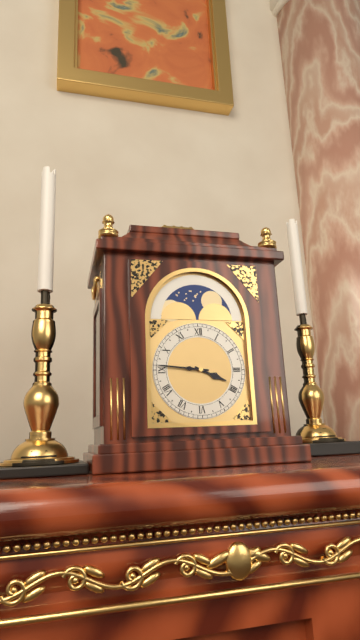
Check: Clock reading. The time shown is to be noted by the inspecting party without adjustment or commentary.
3:46
